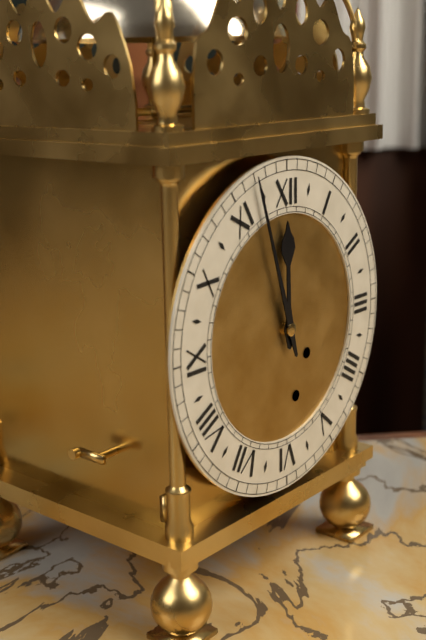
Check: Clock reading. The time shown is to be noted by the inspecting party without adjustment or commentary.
11:57
